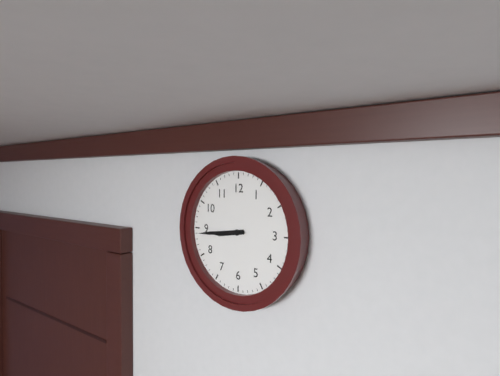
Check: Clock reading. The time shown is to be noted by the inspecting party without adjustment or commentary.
8:44
